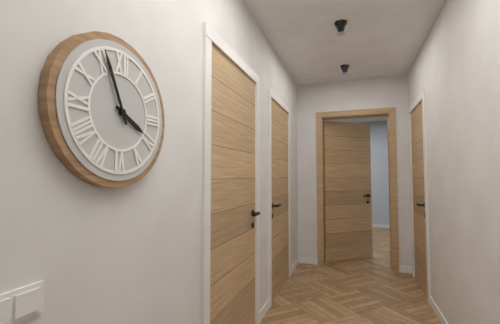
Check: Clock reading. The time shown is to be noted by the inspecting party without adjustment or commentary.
3:56
